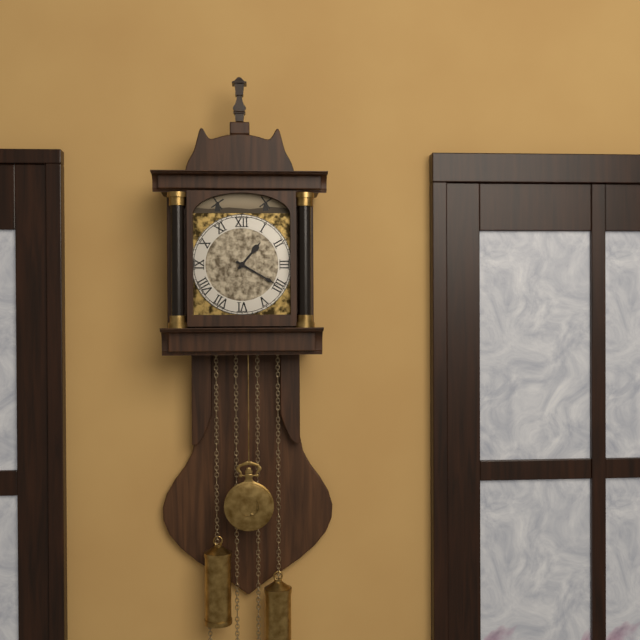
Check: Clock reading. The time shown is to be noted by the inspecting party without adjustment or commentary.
1:20
